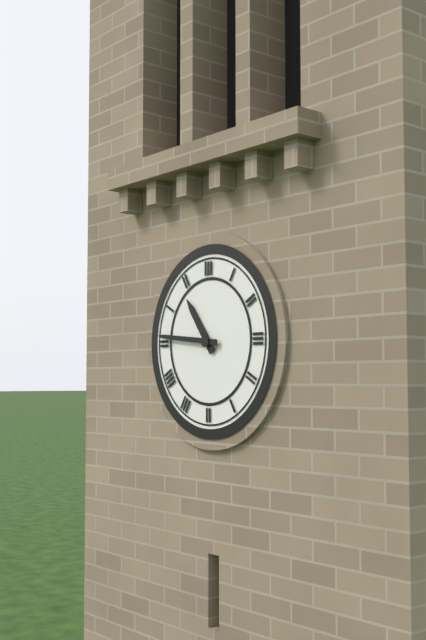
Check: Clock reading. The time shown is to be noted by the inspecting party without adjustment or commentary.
10:46
